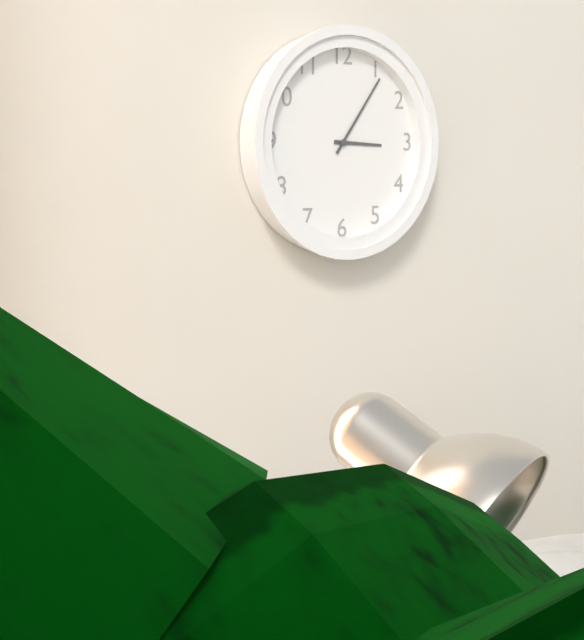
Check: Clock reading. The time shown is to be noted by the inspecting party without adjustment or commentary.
3:06
